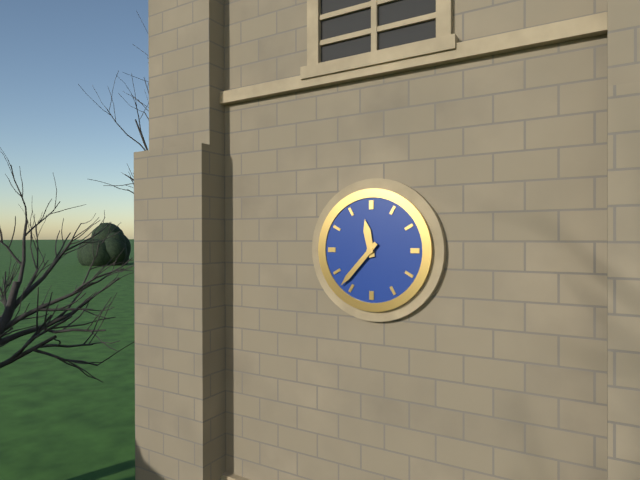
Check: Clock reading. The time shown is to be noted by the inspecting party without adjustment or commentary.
11:37
